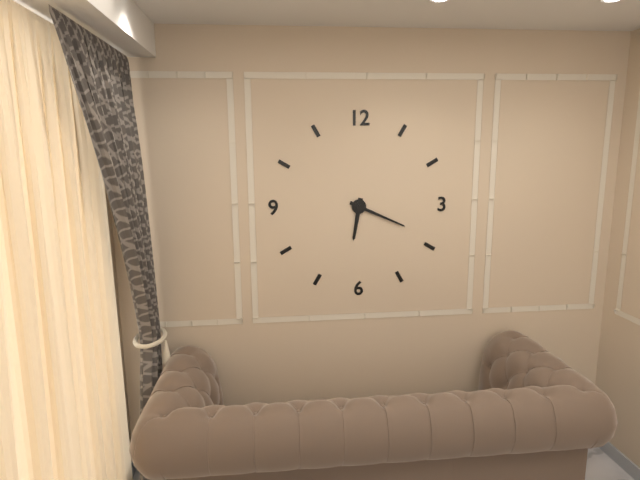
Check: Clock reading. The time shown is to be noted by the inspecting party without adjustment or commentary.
6:19
